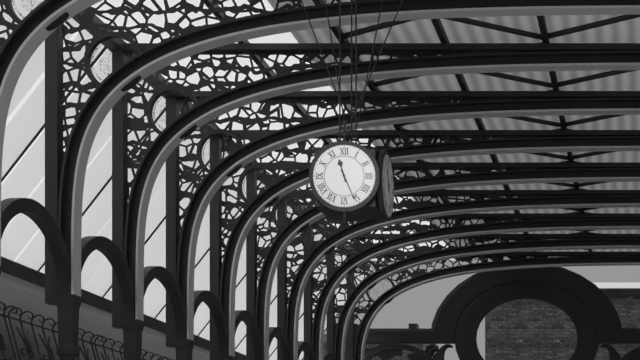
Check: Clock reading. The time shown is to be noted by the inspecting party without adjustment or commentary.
11:26
